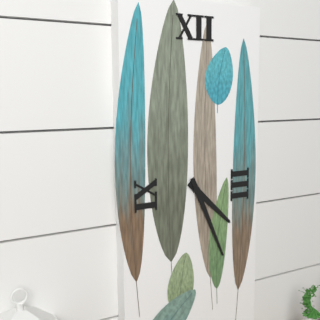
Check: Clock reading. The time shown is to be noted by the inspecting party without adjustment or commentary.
4:26
